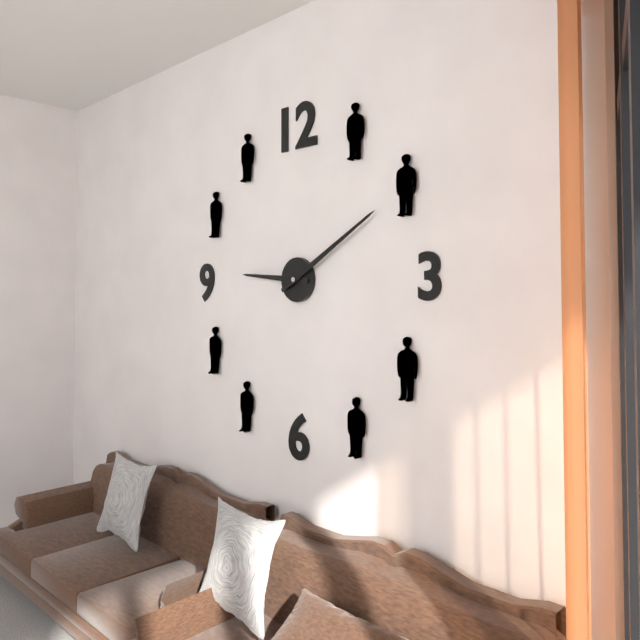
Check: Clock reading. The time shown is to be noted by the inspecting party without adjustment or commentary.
9:10
